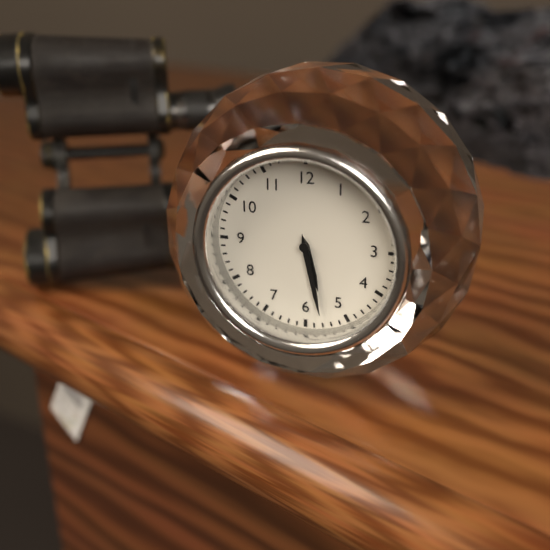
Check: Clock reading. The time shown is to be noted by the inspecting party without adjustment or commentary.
5:28
